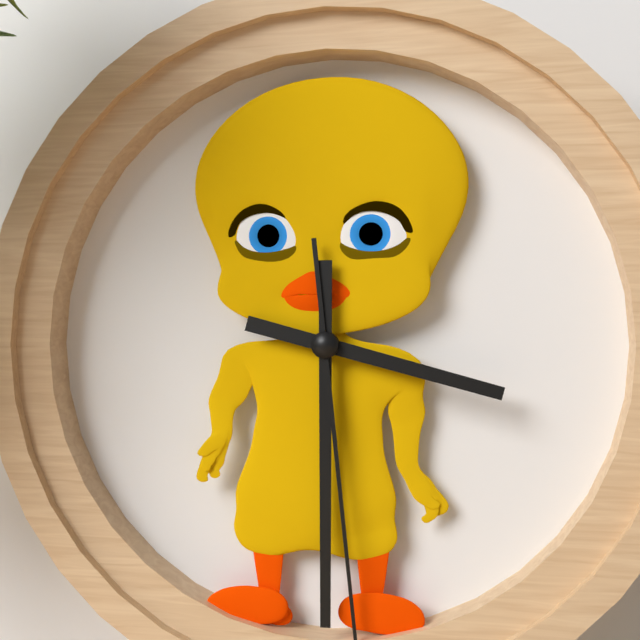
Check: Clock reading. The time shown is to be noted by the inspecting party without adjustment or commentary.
3:30
